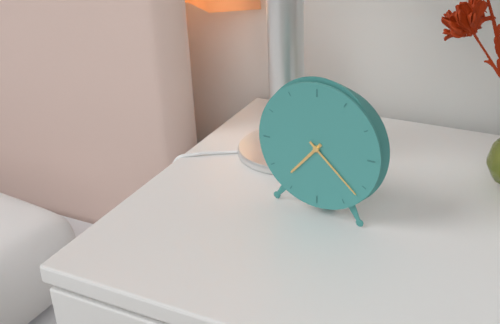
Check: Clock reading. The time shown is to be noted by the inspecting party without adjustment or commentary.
7:22
